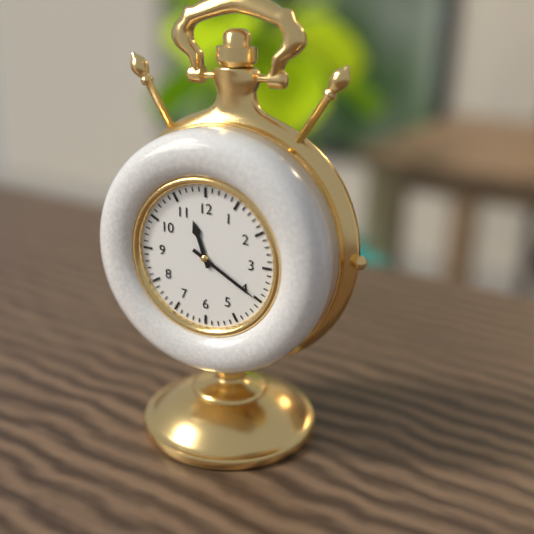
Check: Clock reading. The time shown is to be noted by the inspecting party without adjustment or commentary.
11:20
